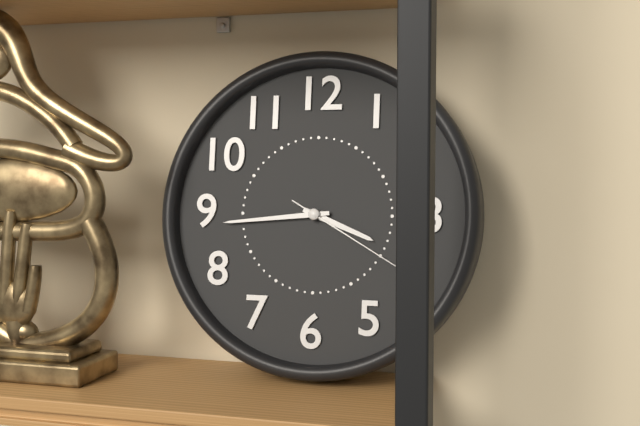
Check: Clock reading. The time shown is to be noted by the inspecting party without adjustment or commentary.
3:44:20
